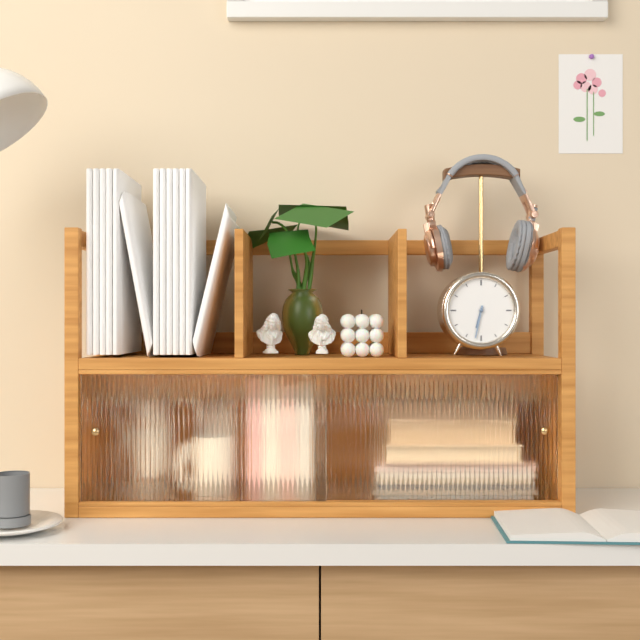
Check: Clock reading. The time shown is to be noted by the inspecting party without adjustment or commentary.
6:32
